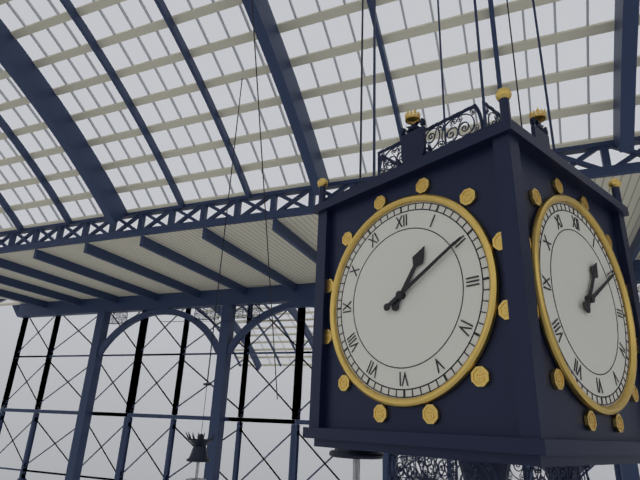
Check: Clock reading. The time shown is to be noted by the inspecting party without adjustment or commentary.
1:10
